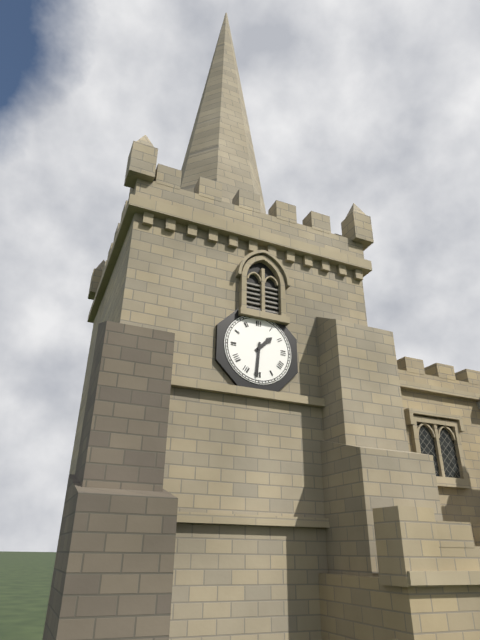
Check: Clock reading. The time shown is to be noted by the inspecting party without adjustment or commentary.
1:31
